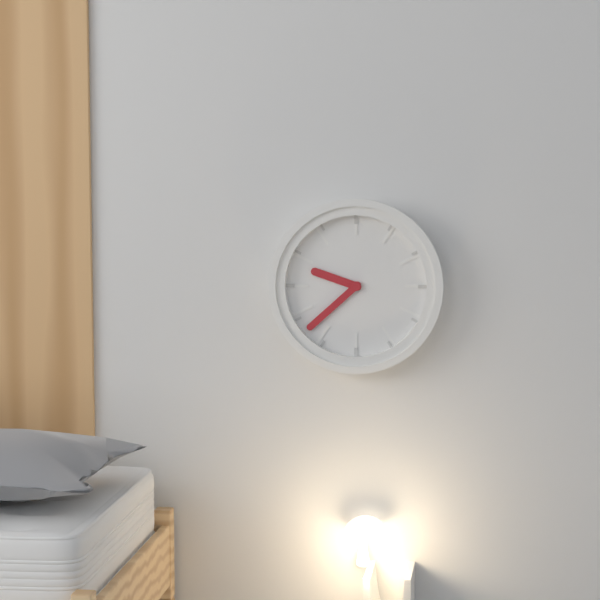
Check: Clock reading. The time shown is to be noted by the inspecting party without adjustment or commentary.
9:38
